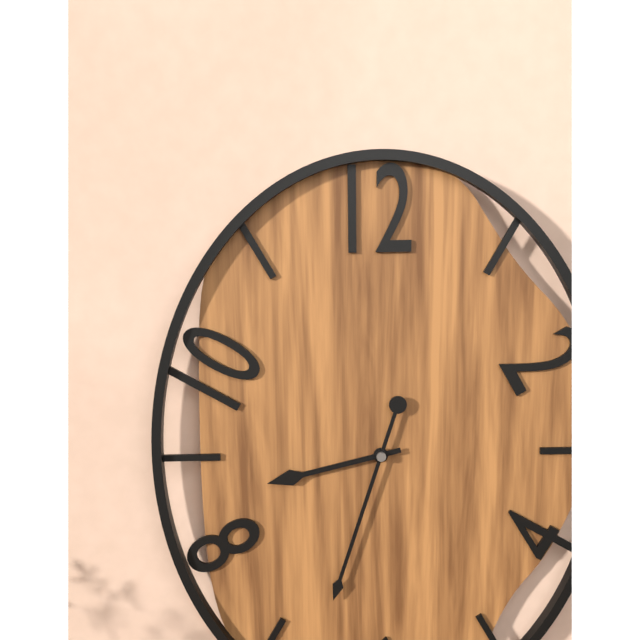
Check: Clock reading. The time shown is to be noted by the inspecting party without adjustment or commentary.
8:33
